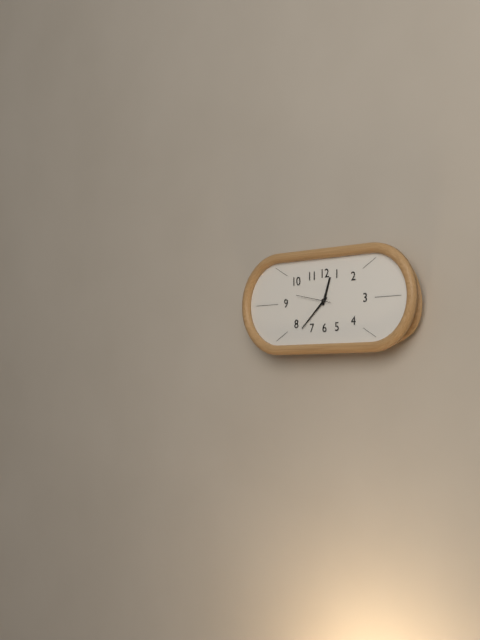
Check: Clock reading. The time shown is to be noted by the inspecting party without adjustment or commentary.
12:38
